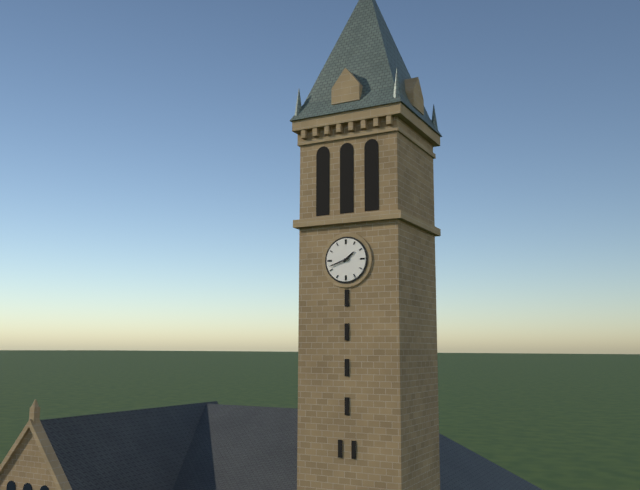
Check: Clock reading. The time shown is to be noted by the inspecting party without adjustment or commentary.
1:42
